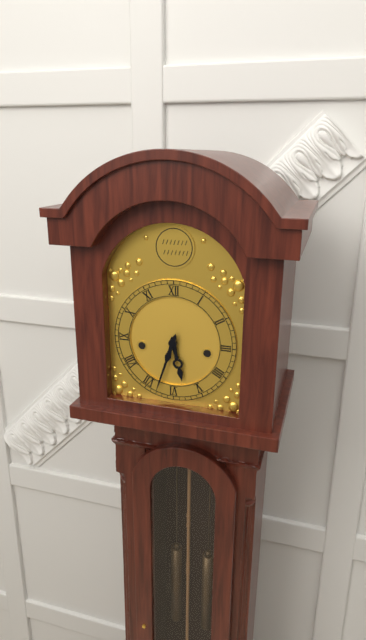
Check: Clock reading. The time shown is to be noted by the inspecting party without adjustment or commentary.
5:33
